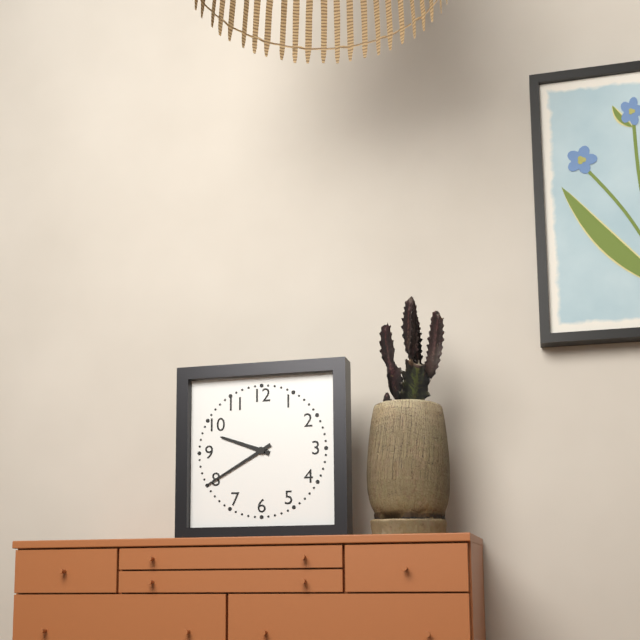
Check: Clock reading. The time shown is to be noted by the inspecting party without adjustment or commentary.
9:40
